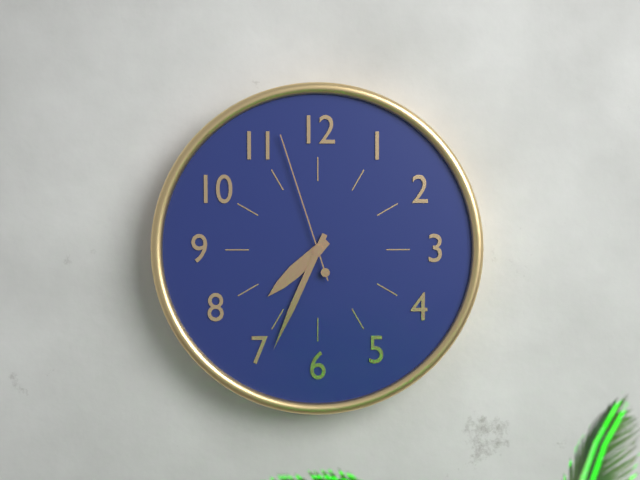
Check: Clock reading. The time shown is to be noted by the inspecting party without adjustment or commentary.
7:34:57
